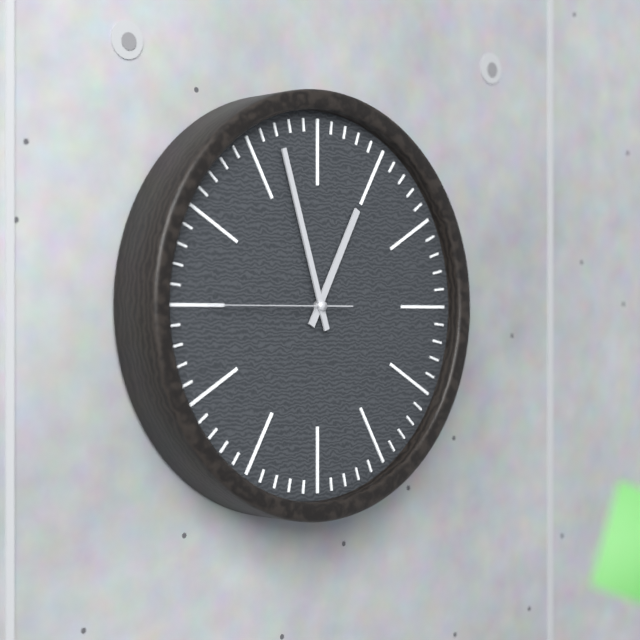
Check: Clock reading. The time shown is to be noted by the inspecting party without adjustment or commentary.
12:57:45
